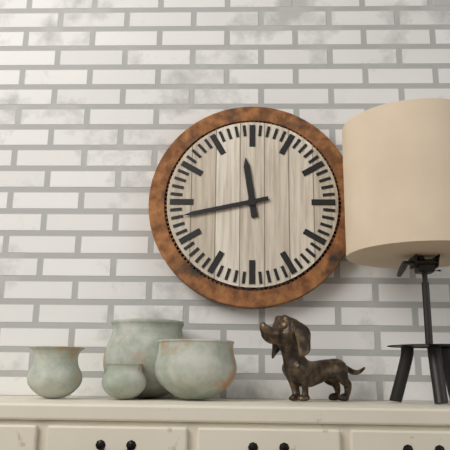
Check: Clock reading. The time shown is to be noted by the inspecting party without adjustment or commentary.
11:43
